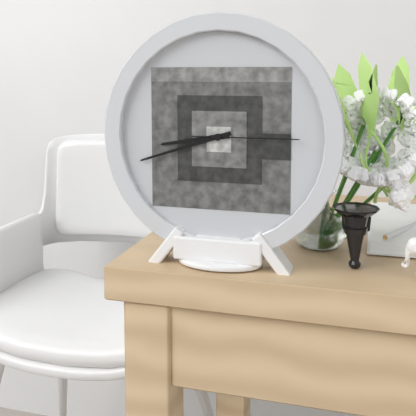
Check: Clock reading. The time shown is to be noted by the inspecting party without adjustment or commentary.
8:42:15
